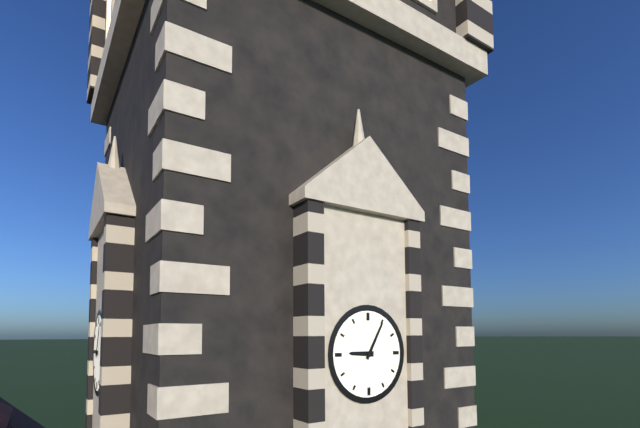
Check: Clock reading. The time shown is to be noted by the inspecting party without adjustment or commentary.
9:05
